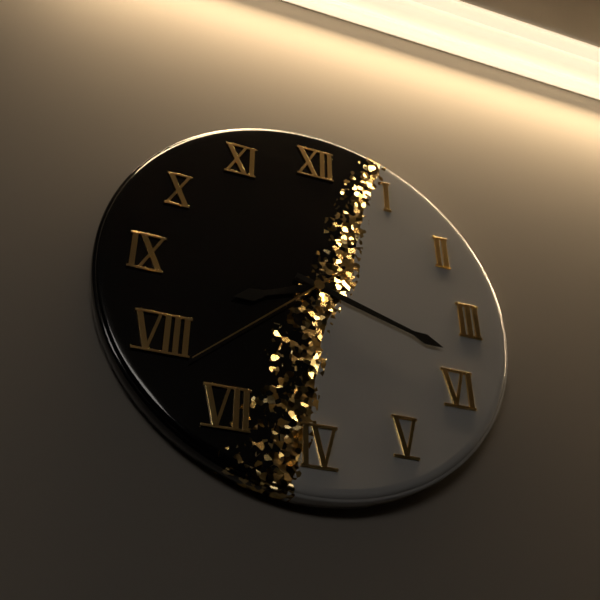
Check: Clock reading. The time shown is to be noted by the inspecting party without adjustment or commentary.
8:18:38
